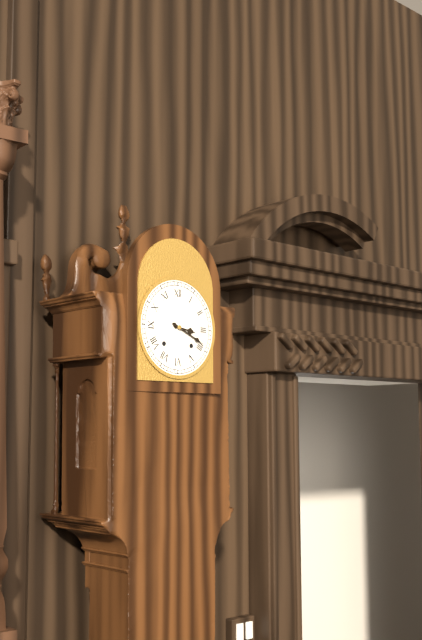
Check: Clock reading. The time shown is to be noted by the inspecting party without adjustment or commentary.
3:19
